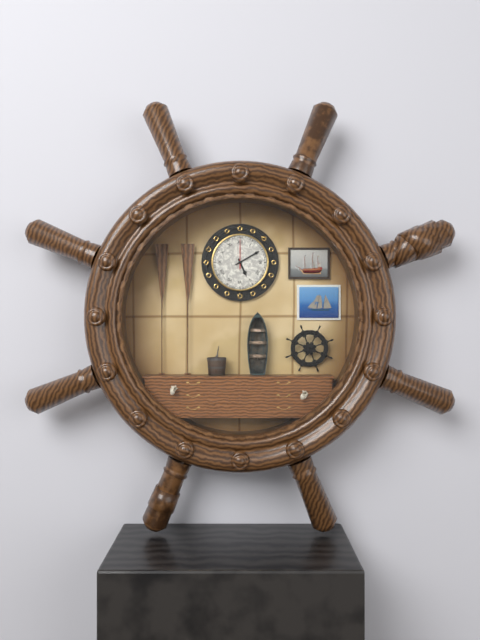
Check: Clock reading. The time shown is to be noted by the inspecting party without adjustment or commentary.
5:10
